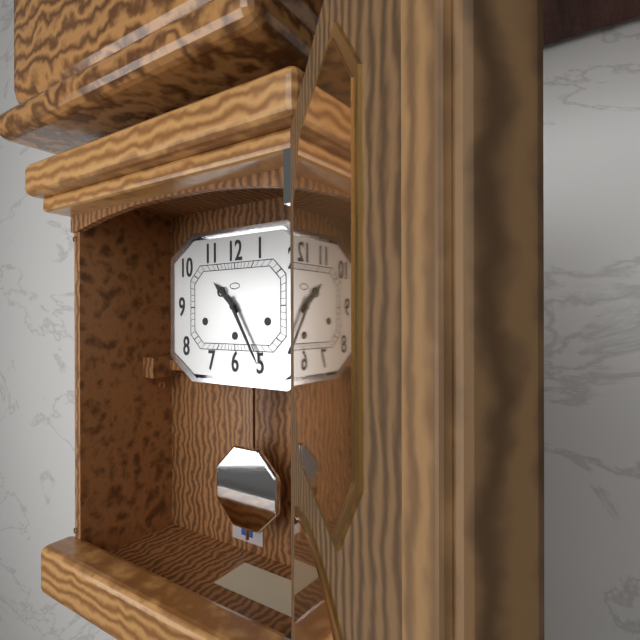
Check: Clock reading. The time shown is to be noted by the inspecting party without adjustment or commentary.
10:25
